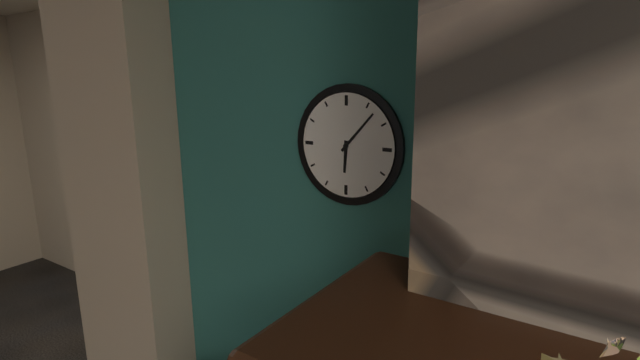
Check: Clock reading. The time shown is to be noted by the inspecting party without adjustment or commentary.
6:07
